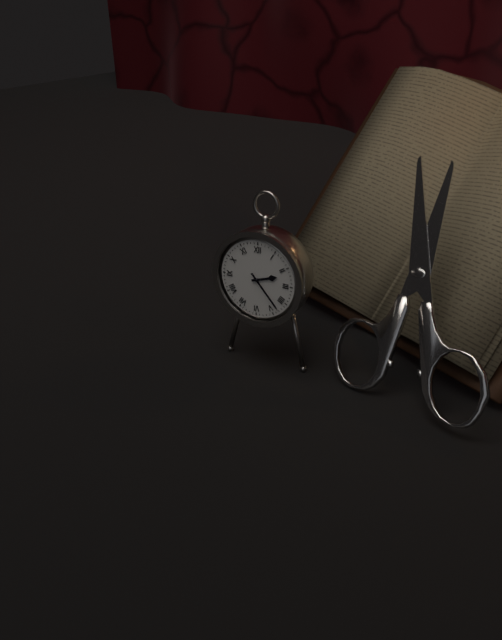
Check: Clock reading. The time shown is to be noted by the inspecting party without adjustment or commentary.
2:23
